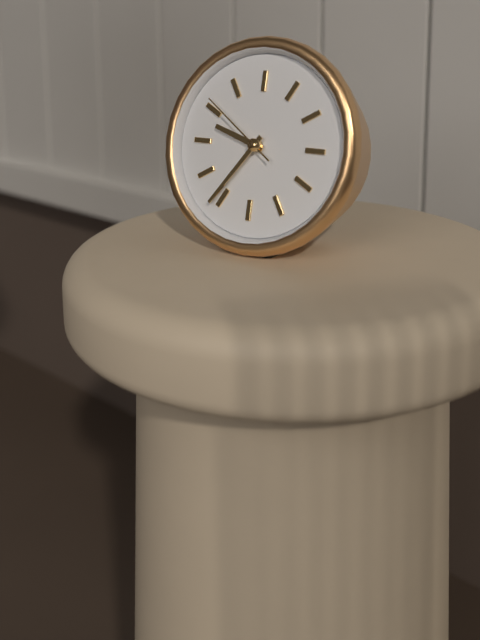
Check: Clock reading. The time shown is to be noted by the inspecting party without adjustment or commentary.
9:36:51
